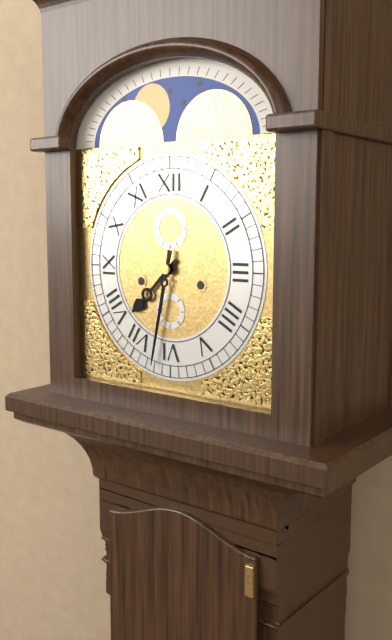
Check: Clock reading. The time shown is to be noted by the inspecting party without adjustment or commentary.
7:32
